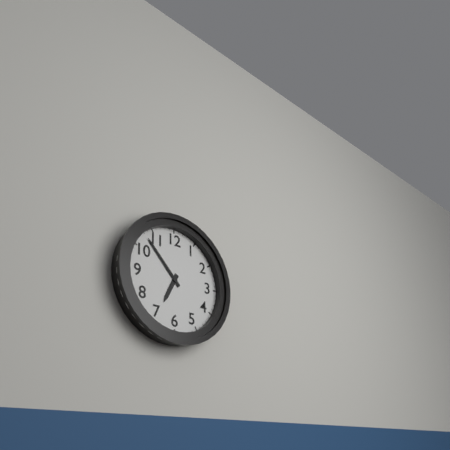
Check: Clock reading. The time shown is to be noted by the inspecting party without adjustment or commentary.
6:53
